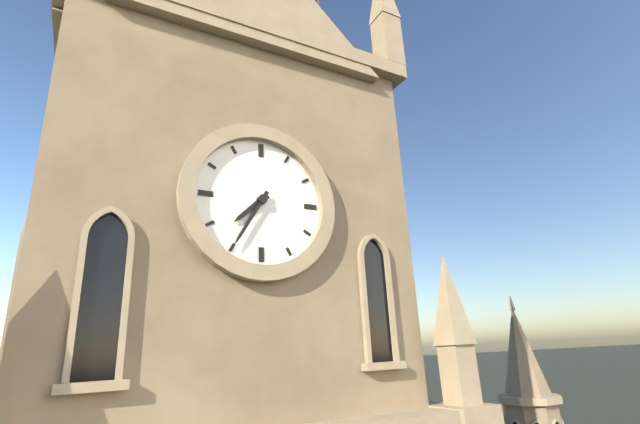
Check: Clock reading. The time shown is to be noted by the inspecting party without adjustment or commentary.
7:35
